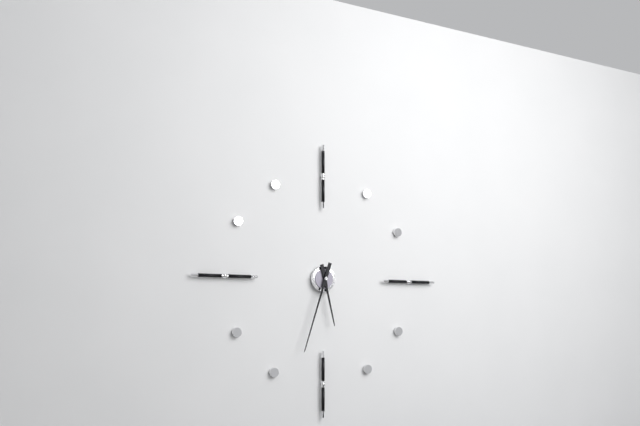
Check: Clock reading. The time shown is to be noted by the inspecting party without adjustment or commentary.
5:33
